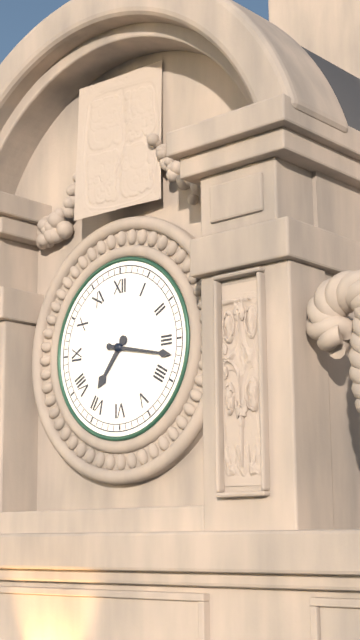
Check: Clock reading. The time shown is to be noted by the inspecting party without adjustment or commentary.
7:17
